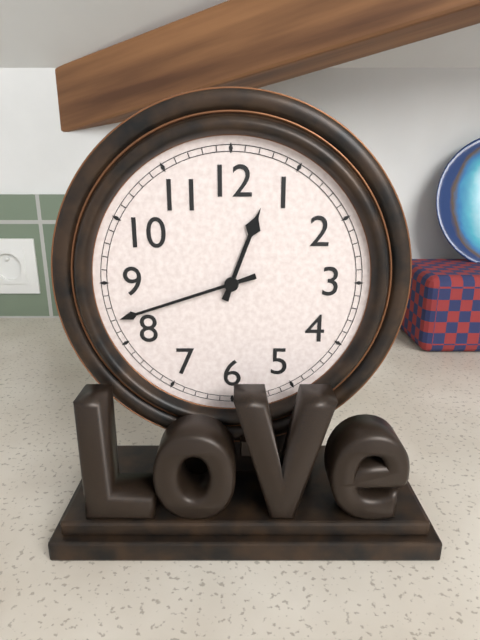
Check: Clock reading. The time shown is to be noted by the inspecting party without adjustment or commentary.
12:42
